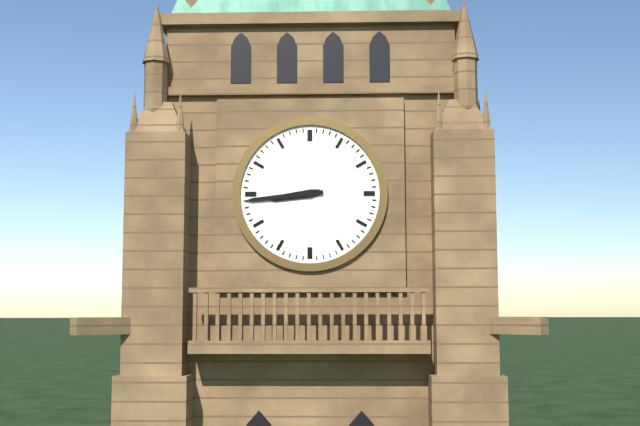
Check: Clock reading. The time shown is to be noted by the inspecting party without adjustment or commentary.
8:44
